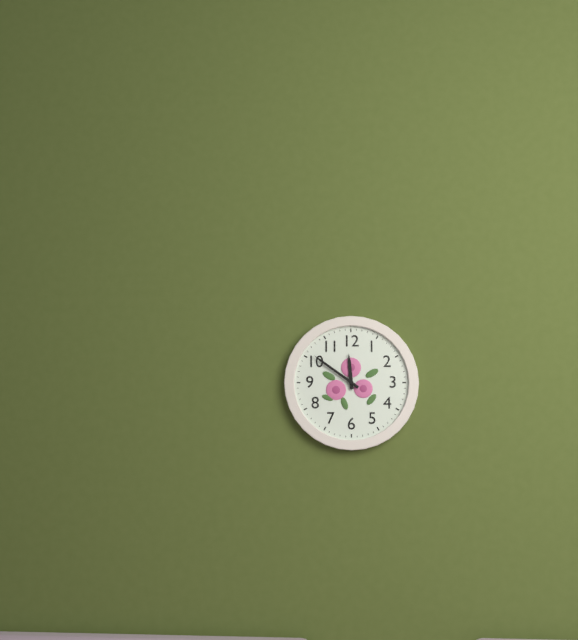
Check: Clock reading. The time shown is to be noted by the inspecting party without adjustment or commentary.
11:51
